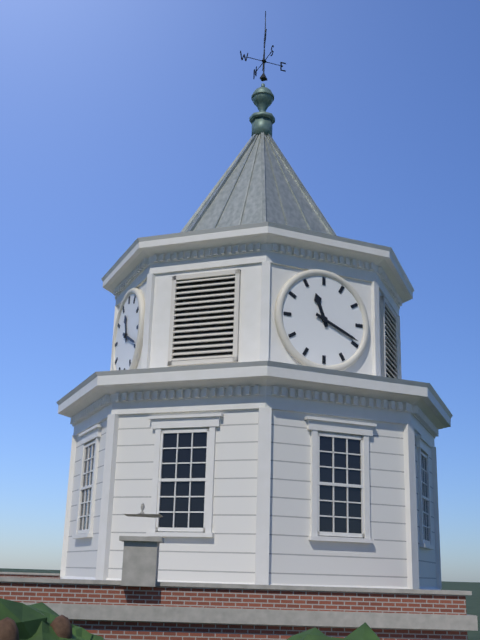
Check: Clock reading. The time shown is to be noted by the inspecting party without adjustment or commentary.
11:19
